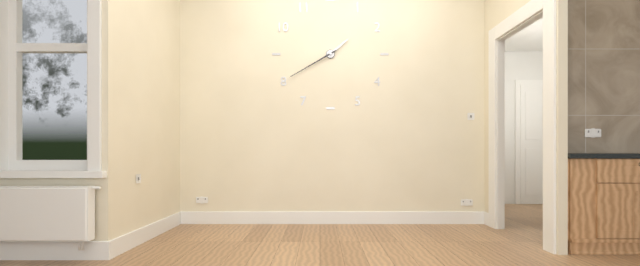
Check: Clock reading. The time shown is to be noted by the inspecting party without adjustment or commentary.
1:40
